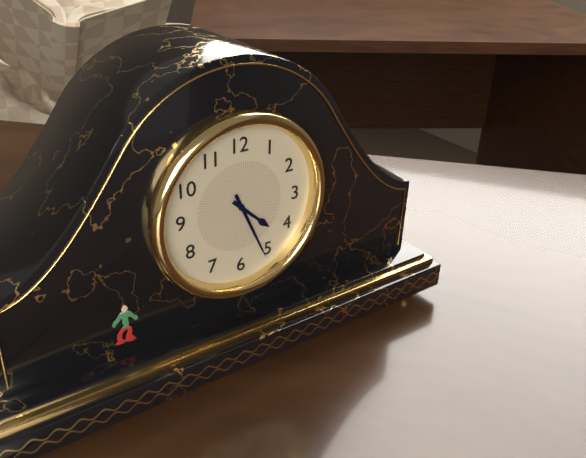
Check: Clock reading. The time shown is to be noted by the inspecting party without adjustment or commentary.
4:26
